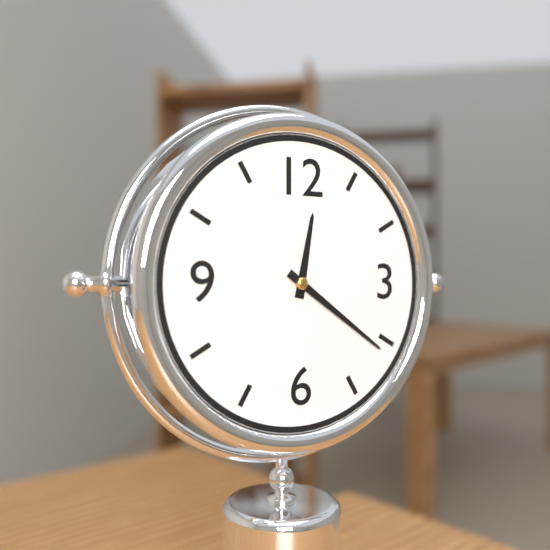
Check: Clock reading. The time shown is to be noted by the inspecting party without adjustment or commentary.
12:21
